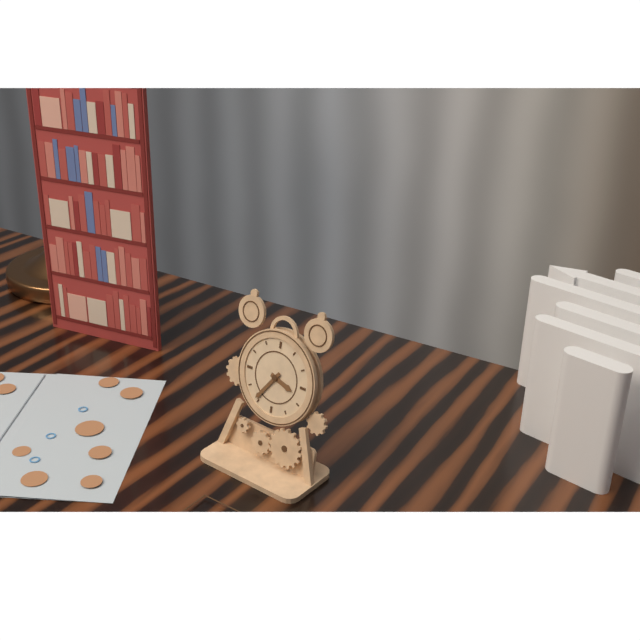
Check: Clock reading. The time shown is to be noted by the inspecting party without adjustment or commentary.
3:36
